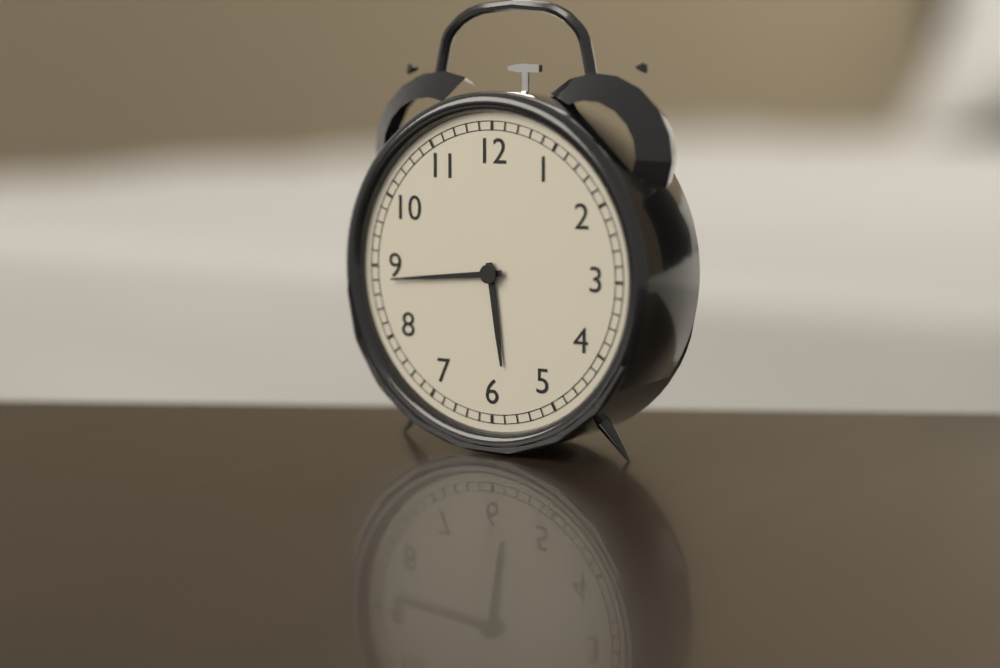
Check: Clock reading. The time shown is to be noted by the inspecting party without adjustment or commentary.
5:44
